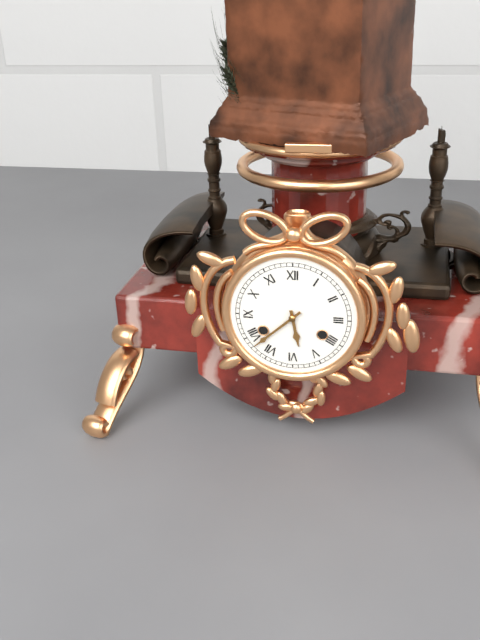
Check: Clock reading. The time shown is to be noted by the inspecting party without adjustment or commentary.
5:38
